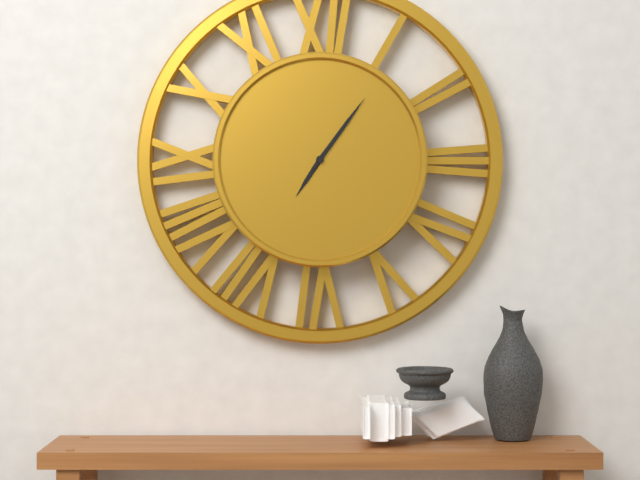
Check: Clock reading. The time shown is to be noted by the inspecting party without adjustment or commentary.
7:06
